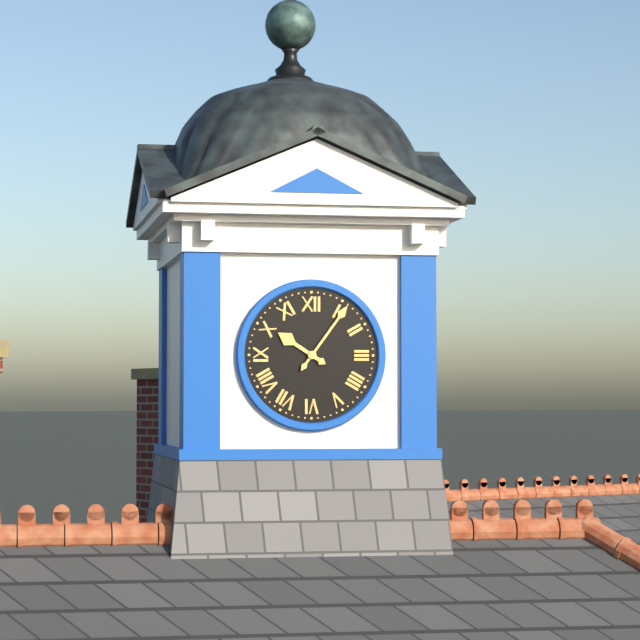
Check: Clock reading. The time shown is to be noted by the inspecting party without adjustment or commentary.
10:06
